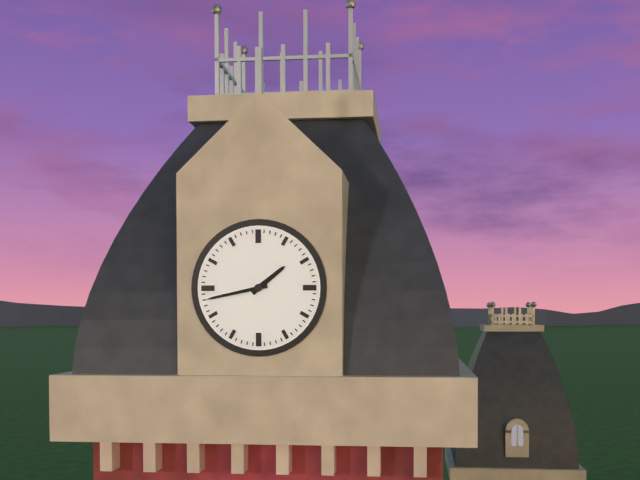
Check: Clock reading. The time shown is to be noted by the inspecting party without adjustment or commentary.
1:43
